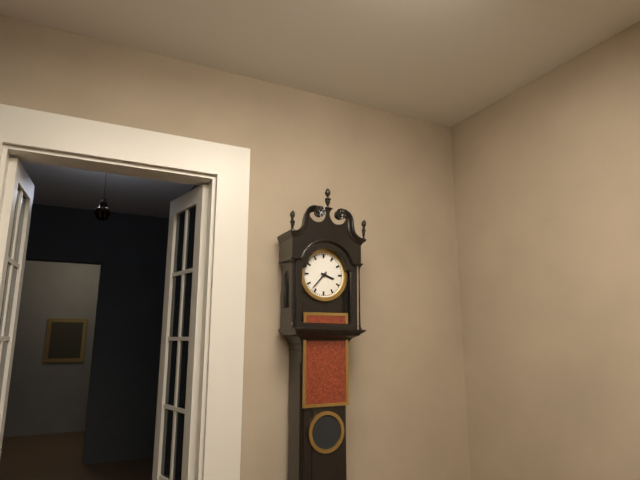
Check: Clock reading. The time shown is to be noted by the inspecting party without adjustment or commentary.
3:37
